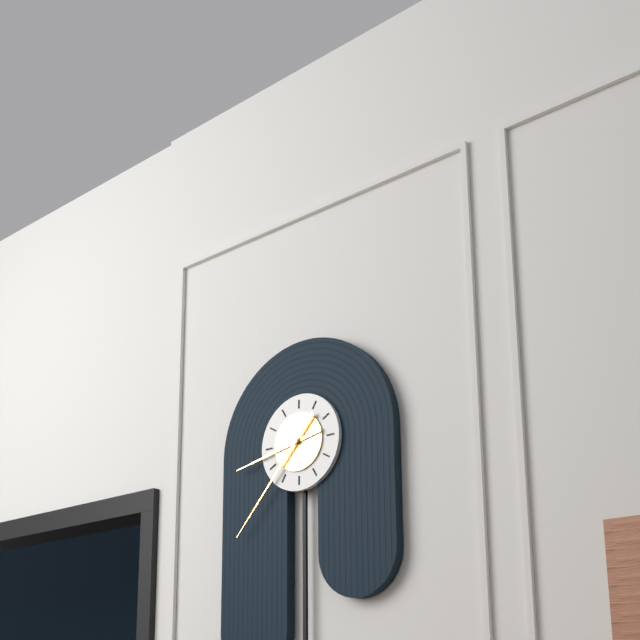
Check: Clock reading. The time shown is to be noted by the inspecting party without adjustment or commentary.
8:37
